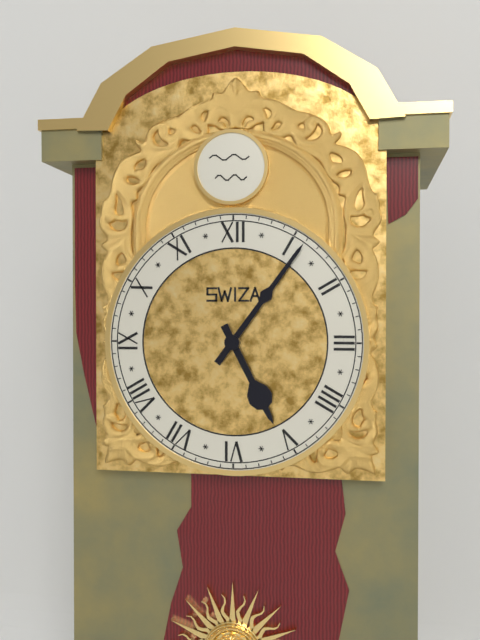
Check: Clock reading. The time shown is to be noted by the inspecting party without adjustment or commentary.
5:06
